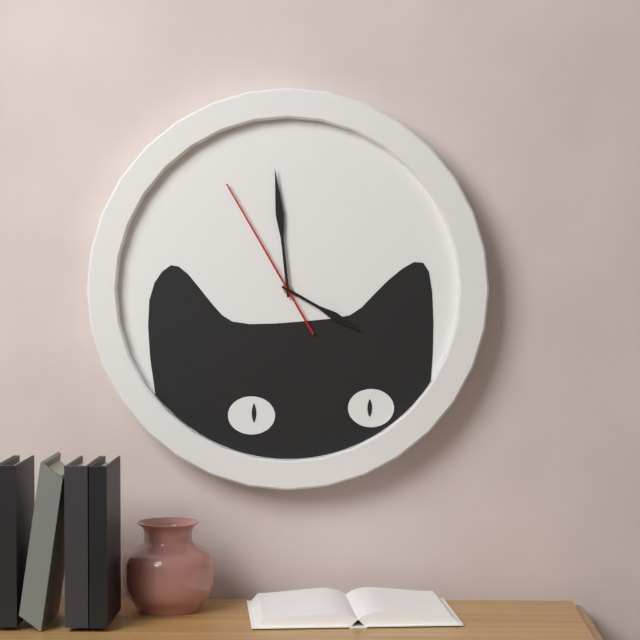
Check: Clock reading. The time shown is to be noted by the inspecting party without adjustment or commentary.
3:59:55
